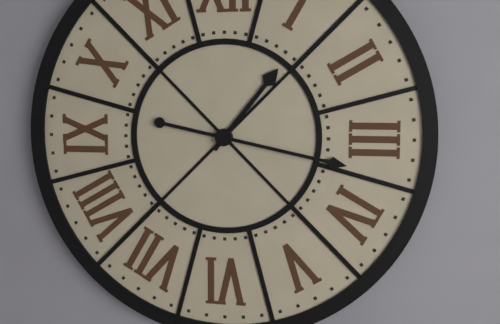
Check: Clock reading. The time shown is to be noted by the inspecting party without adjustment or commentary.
1:17
